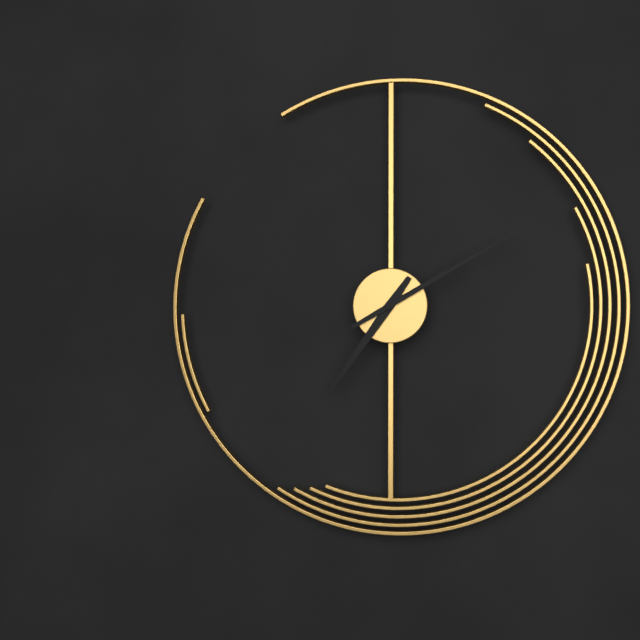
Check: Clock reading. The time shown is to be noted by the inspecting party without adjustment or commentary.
7:10
